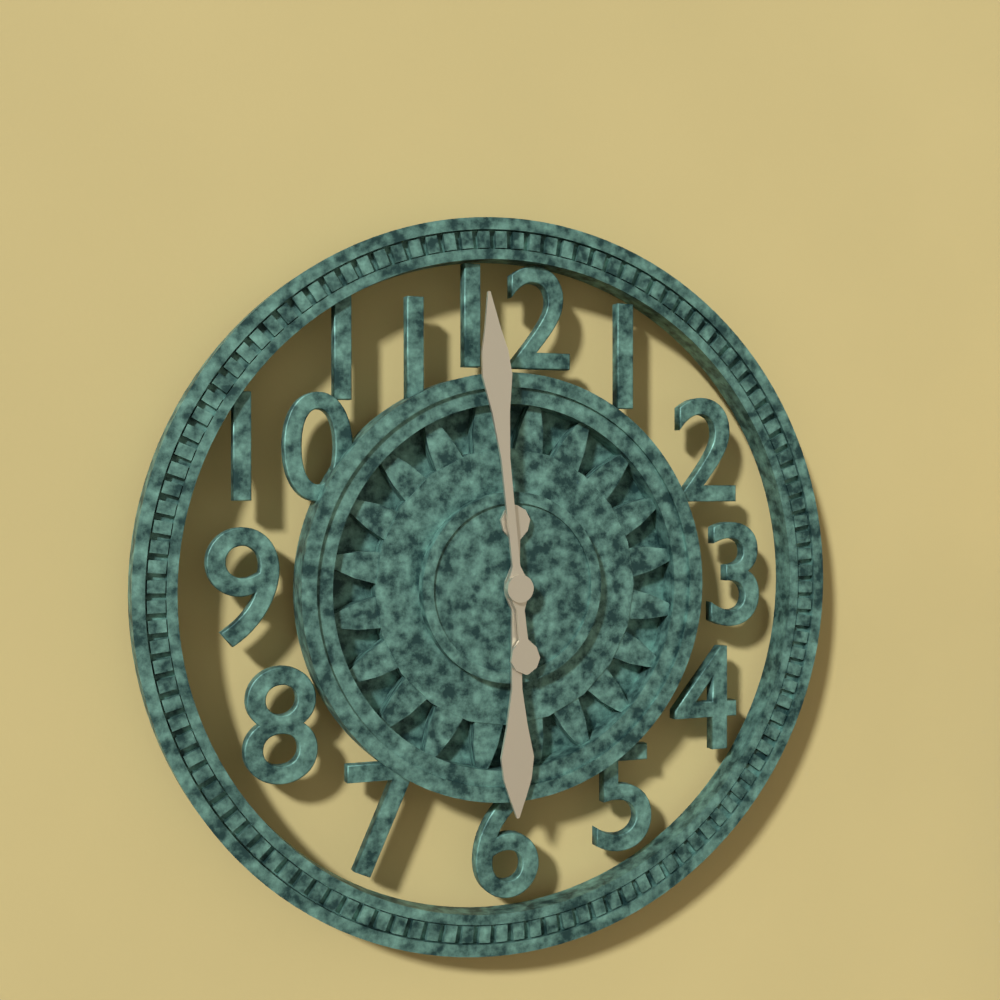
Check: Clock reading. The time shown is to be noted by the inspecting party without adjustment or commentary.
5:59
